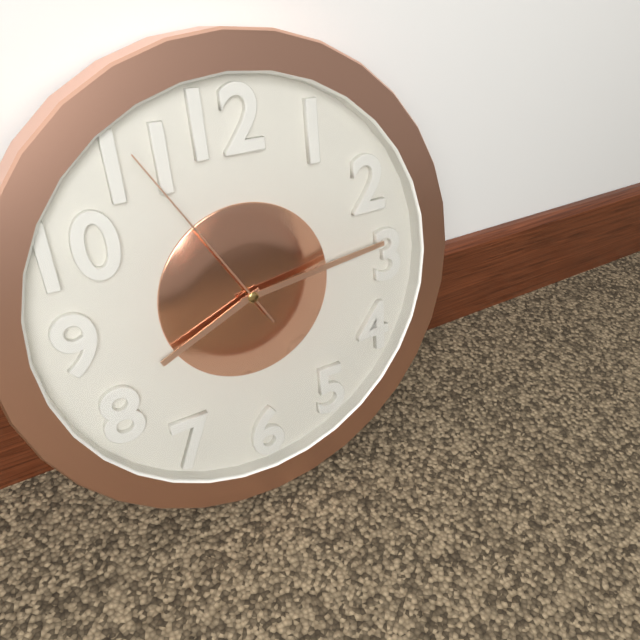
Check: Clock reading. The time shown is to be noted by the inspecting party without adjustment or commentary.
8:14:55
